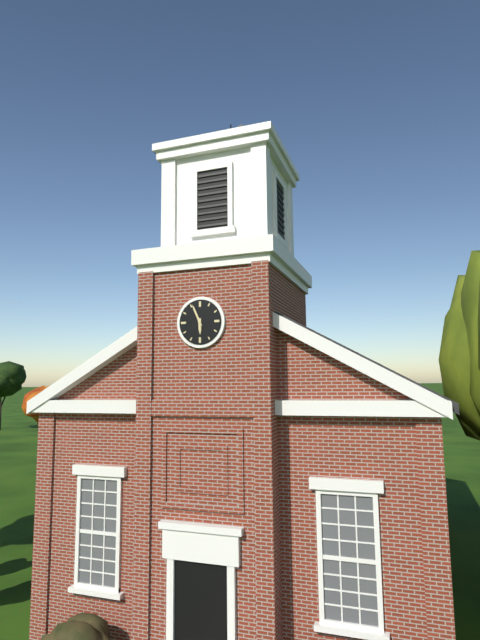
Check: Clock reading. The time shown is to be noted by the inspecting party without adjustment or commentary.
5:56
